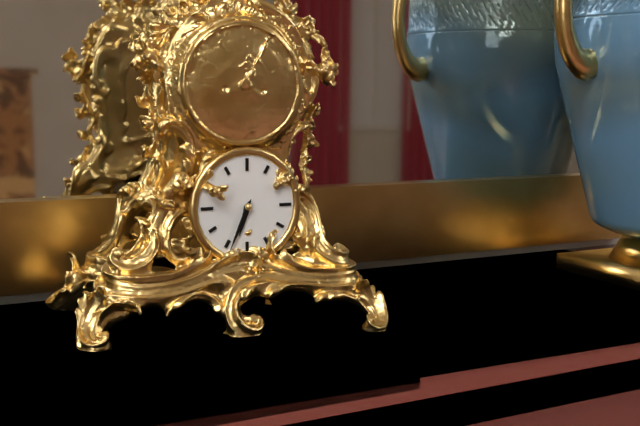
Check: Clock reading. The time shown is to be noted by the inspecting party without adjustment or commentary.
6:34
